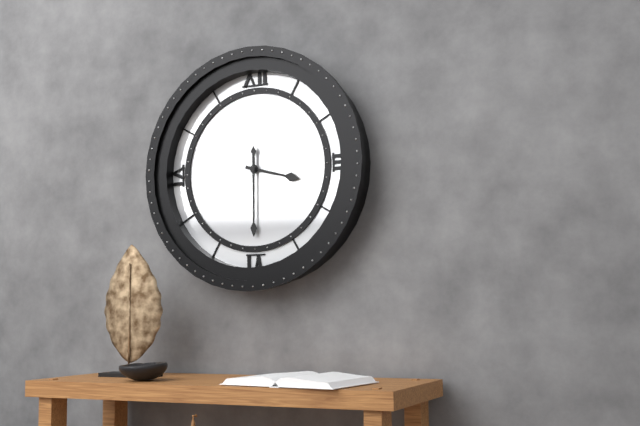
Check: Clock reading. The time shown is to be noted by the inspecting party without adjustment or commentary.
3:30
